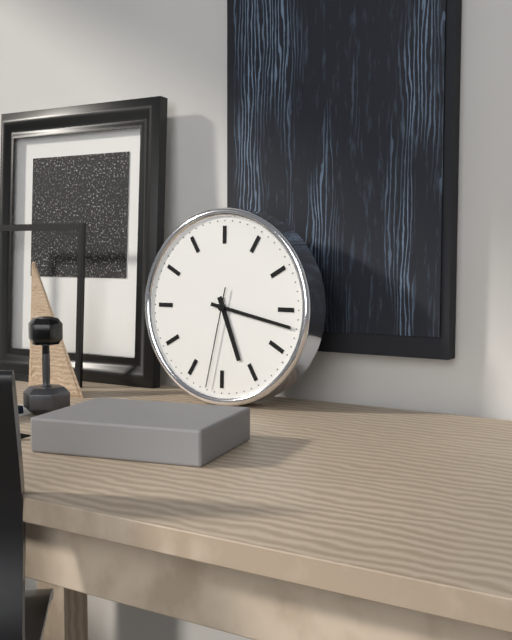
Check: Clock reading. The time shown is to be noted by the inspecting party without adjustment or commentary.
5:17:32
